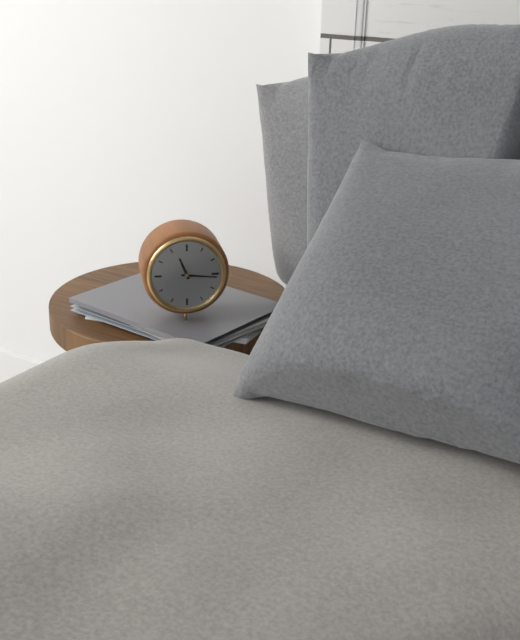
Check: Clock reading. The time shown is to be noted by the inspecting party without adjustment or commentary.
11:16
